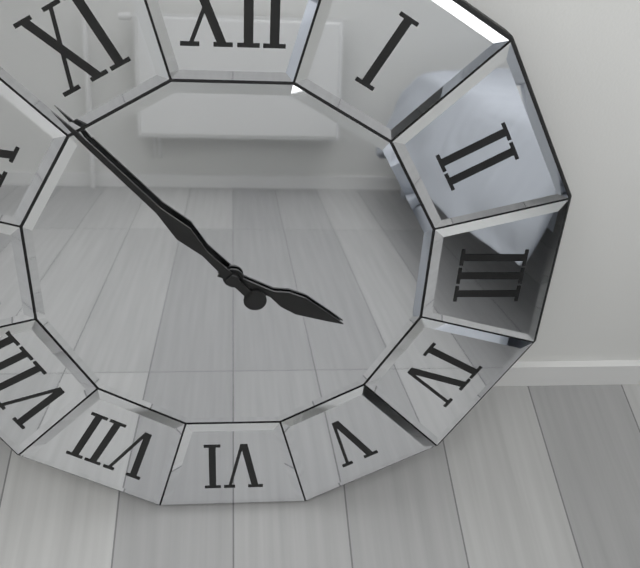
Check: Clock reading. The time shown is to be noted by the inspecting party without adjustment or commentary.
3:53
